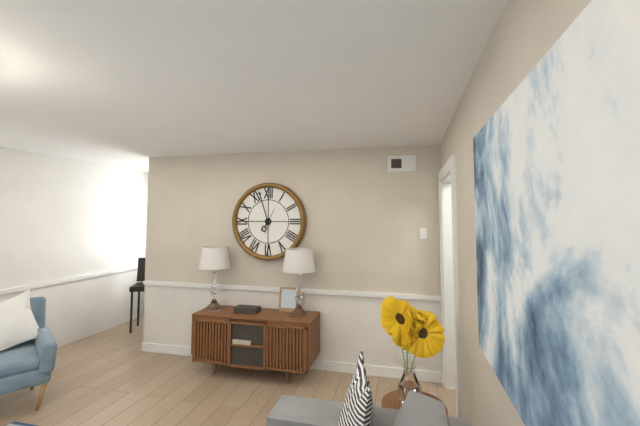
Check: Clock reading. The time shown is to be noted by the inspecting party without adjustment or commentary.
6:57
